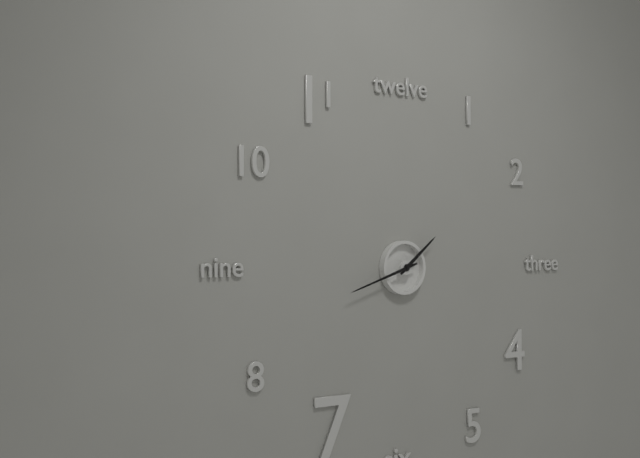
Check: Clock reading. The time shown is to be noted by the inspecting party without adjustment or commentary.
1:42
